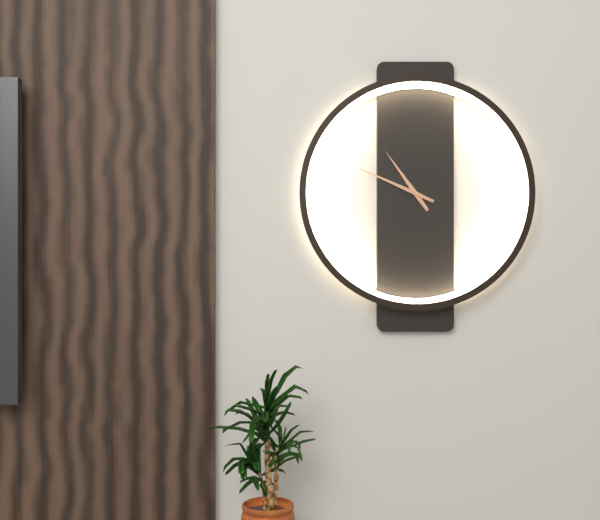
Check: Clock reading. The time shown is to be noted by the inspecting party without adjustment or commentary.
10:49
